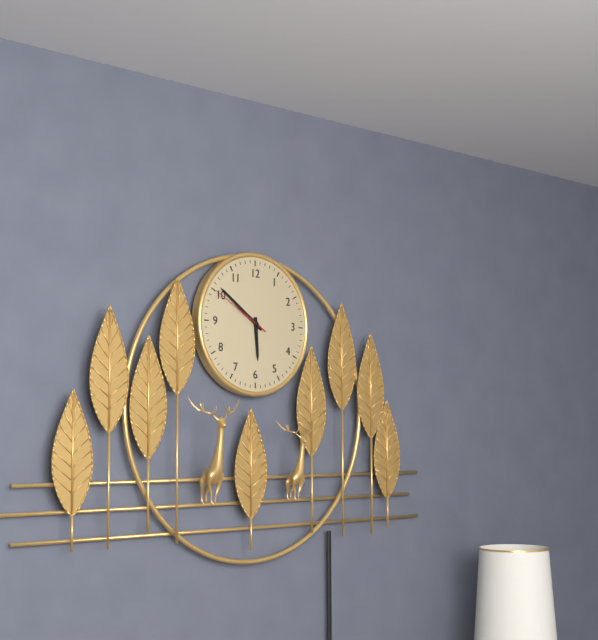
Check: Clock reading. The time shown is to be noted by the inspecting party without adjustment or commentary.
5:51:50
